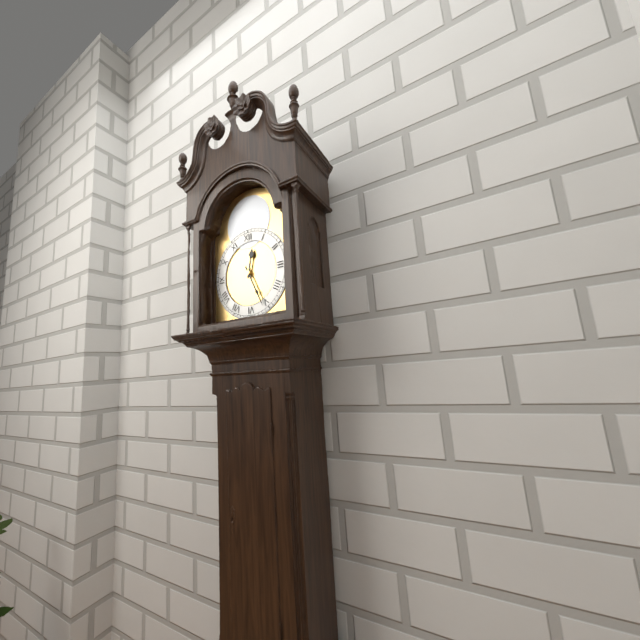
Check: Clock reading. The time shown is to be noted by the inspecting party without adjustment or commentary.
12:26
